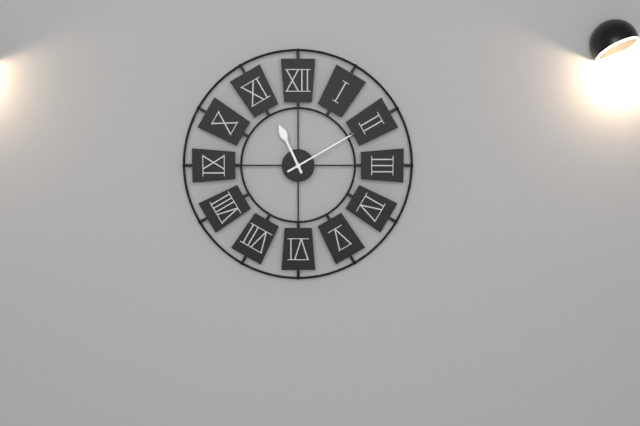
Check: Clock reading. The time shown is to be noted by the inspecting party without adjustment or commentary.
11:10
